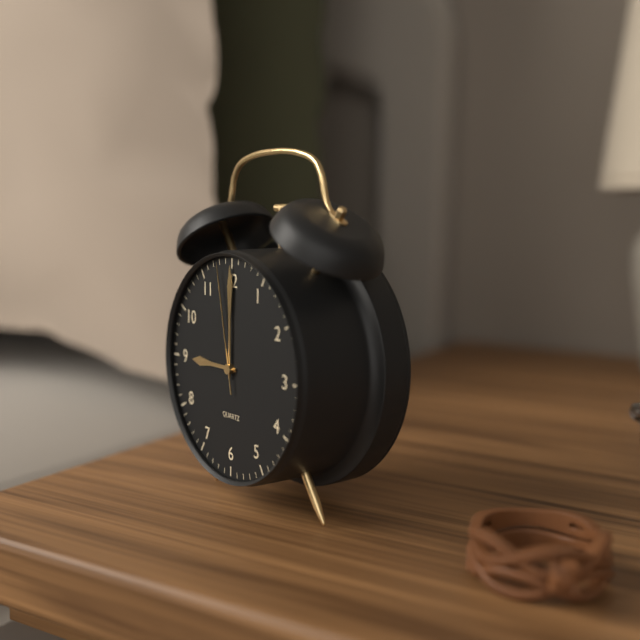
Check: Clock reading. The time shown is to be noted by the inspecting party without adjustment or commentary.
9:00:58
